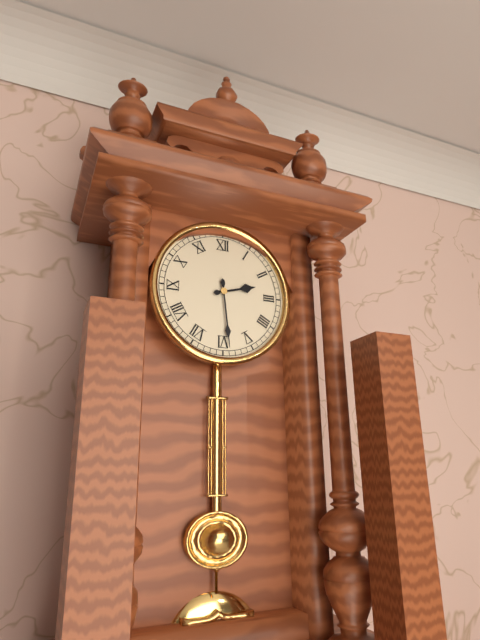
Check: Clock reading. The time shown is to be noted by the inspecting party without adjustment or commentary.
2:29
